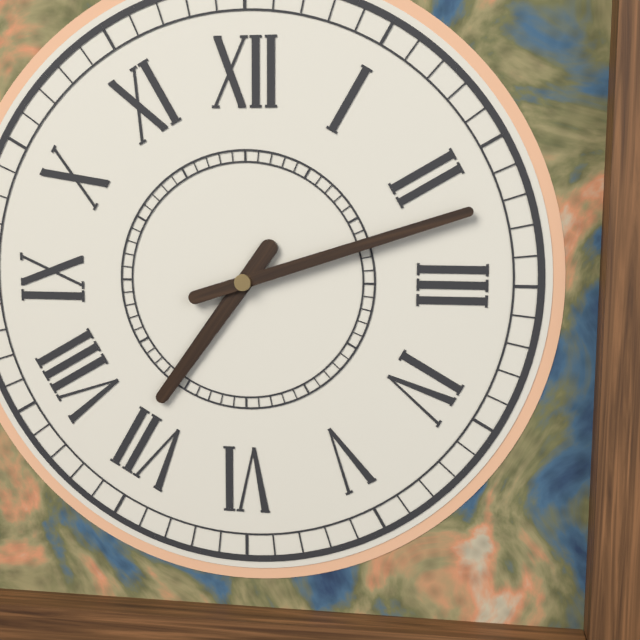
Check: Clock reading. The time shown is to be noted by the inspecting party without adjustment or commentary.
7:12
